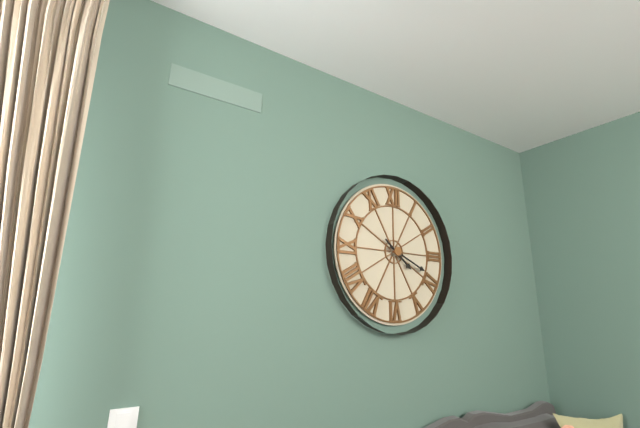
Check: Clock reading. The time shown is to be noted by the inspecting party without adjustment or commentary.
4:19
